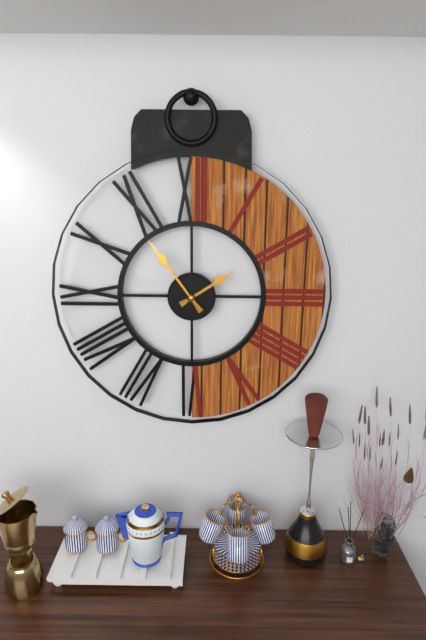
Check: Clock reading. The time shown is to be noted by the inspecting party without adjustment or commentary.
1:54
